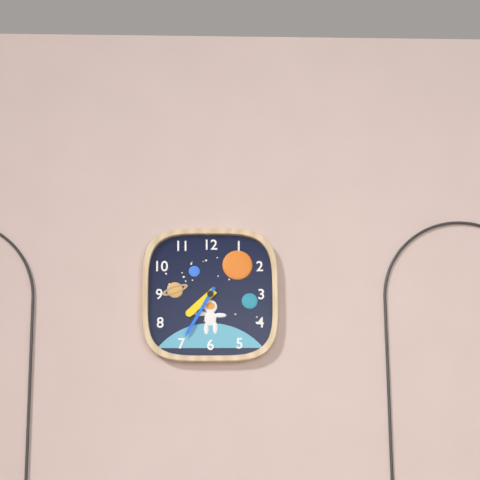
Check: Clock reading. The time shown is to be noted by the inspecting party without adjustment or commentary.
7:35
